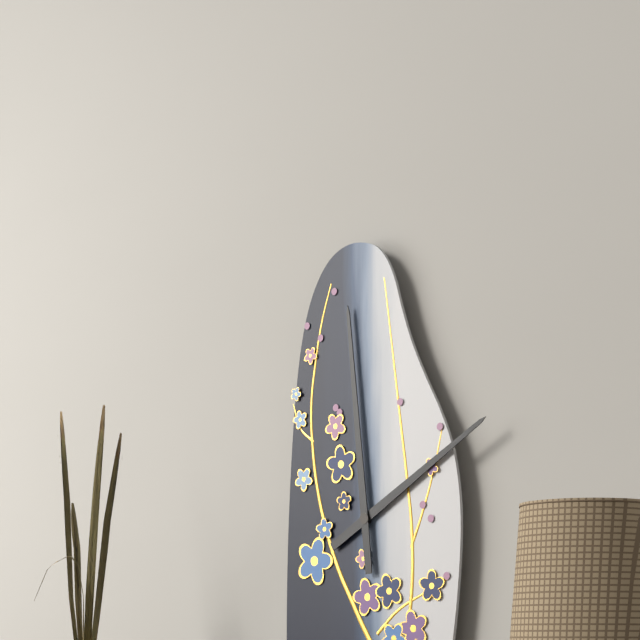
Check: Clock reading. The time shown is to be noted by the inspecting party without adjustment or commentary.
1:59
